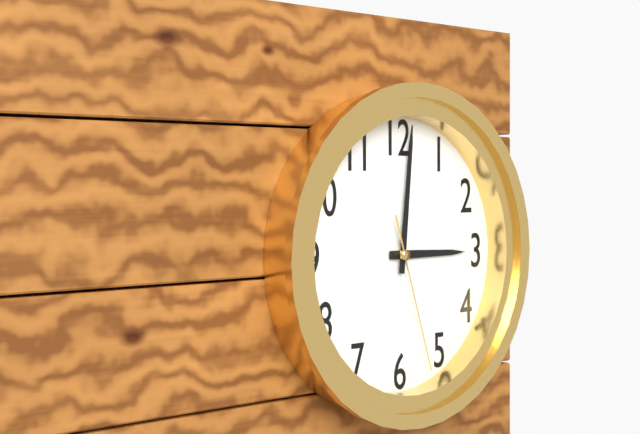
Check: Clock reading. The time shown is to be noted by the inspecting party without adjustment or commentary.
3:01:27
